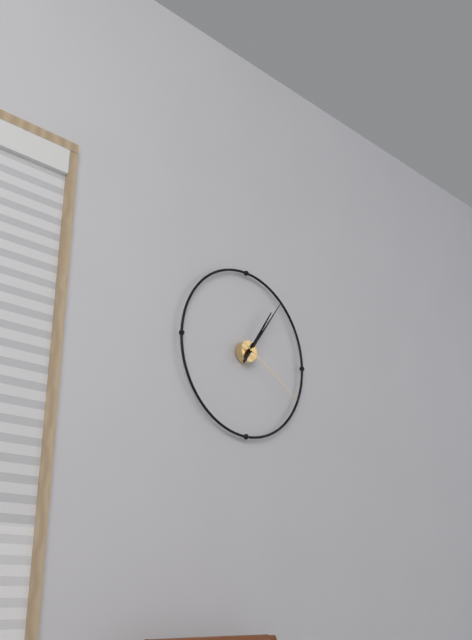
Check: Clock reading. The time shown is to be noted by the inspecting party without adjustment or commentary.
1:06:20
